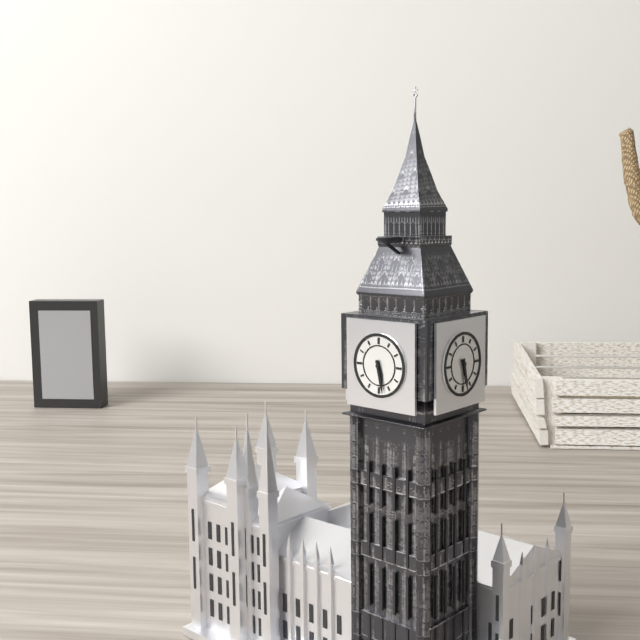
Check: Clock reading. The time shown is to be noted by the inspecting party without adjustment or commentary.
5:28
